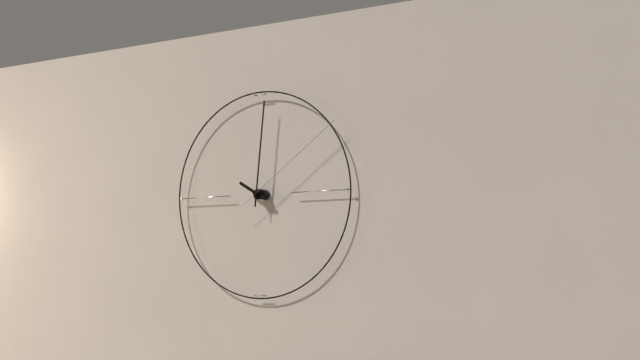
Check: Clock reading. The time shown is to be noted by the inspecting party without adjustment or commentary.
10:01:09
